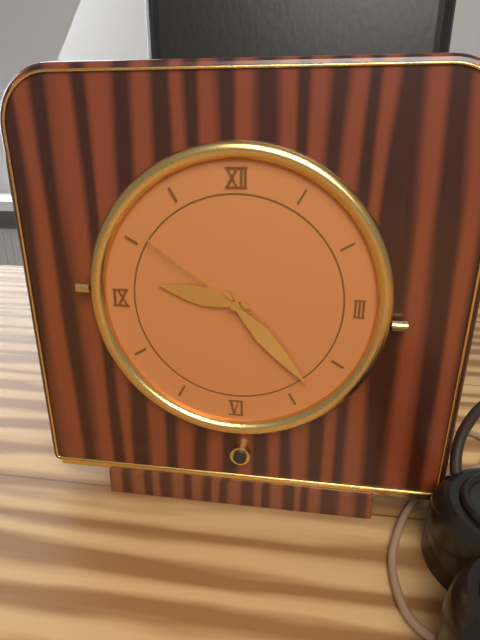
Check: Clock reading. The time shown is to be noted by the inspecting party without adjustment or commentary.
9:23:51
